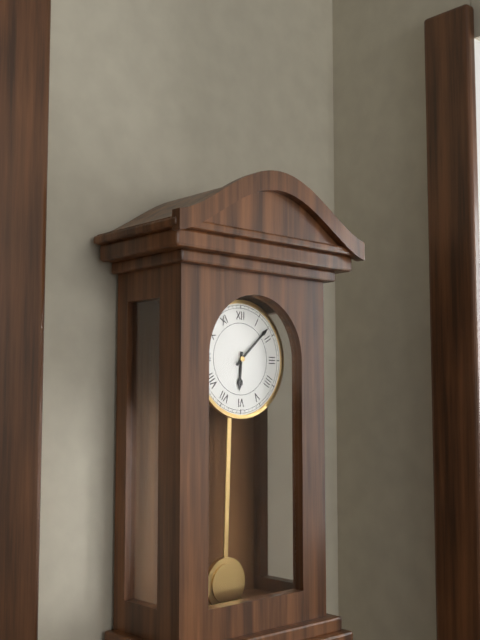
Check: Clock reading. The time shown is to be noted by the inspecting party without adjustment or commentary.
6:08
